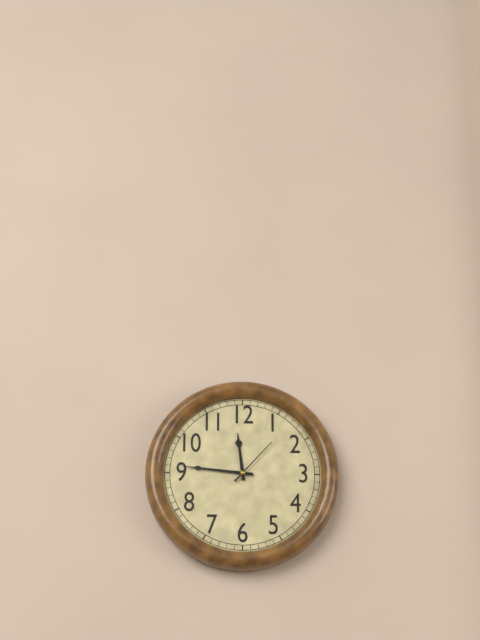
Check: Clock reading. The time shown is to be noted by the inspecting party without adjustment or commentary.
11:46:07
